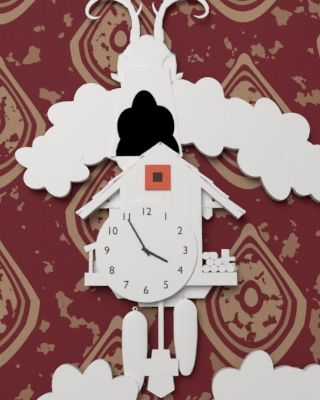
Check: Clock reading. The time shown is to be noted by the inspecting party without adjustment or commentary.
3:55
